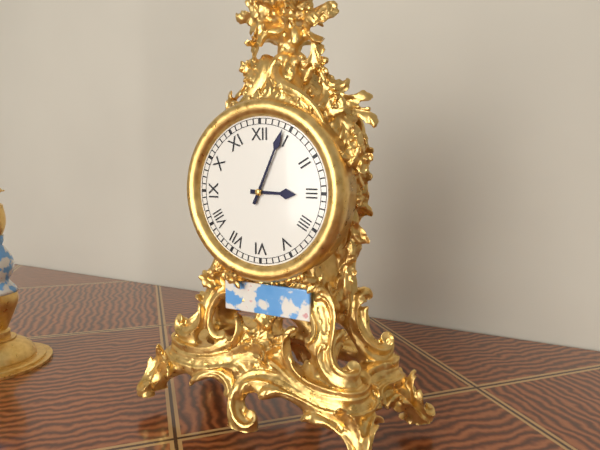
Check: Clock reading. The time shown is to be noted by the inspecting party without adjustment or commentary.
3:04
